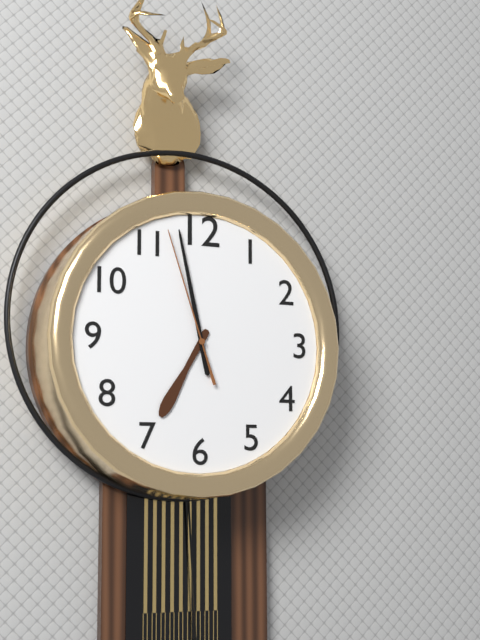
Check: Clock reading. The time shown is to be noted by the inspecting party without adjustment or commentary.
6:58:57
